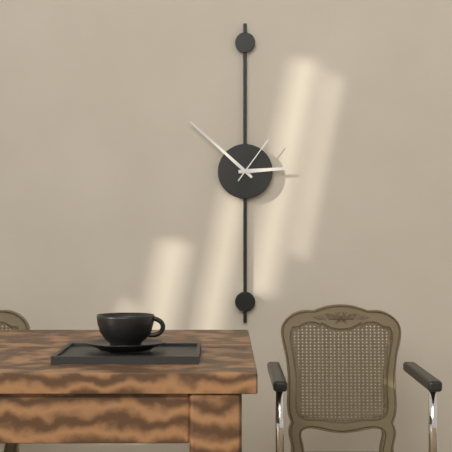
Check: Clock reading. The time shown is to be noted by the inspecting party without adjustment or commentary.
2:52
